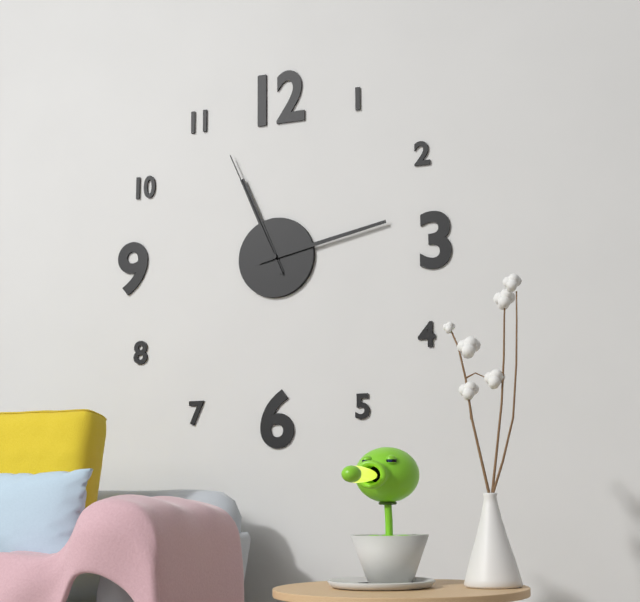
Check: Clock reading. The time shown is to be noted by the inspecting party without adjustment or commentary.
11:13:56
